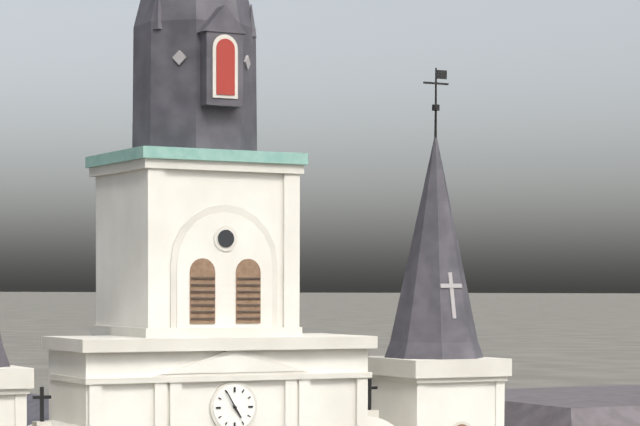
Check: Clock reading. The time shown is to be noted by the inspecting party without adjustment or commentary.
4:55
